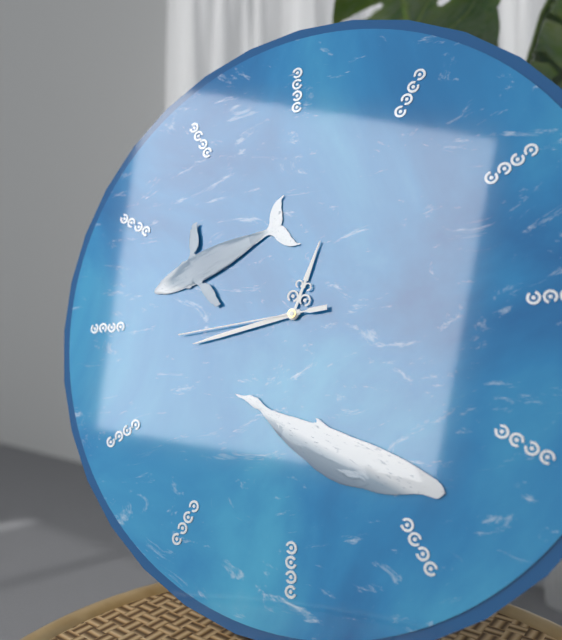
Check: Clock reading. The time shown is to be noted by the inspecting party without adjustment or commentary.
12:43:44
